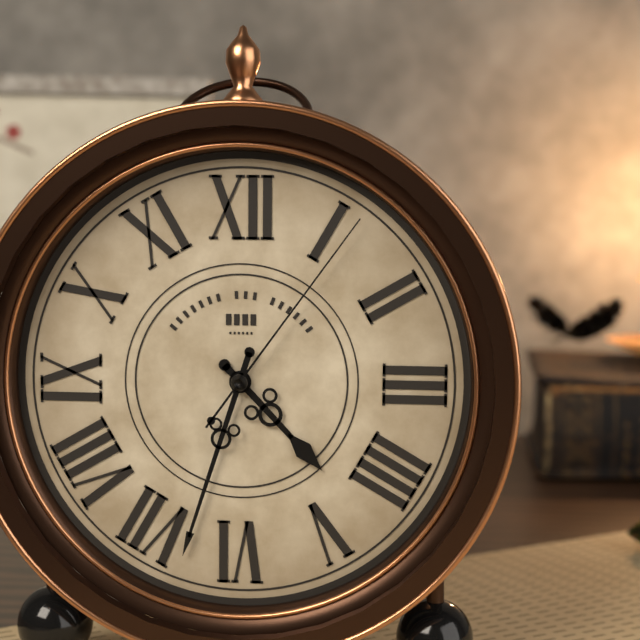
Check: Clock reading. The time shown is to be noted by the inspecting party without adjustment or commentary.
4:33:06
